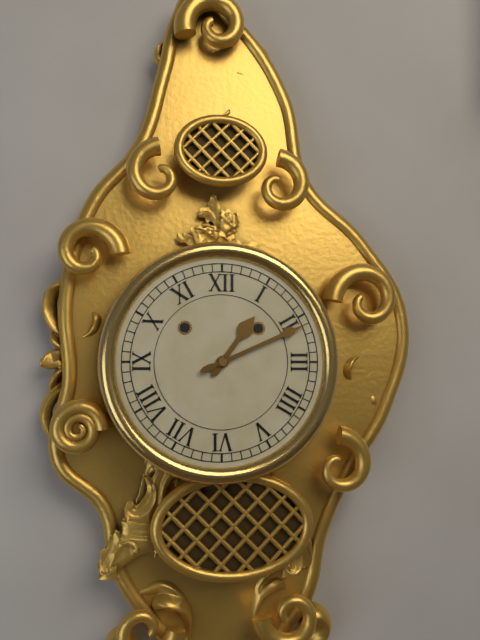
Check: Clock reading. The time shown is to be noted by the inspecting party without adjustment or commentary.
1:11
